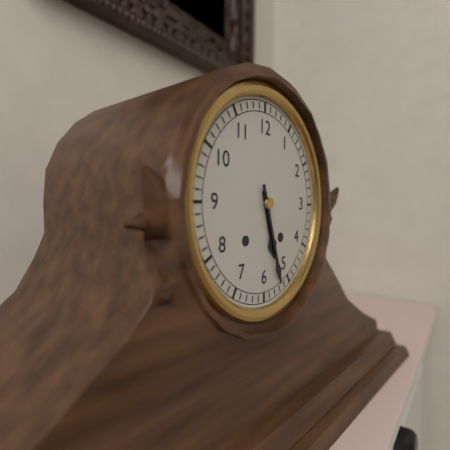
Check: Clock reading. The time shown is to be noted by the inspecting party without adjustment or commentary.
5:27
